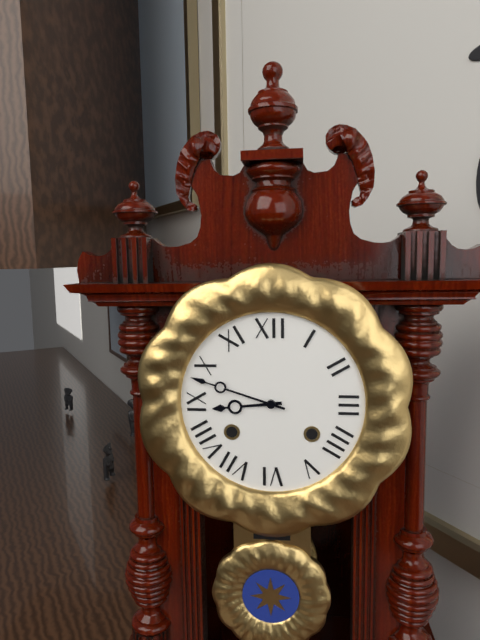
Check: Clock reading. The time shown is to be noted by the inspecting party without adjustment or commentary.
8:48
